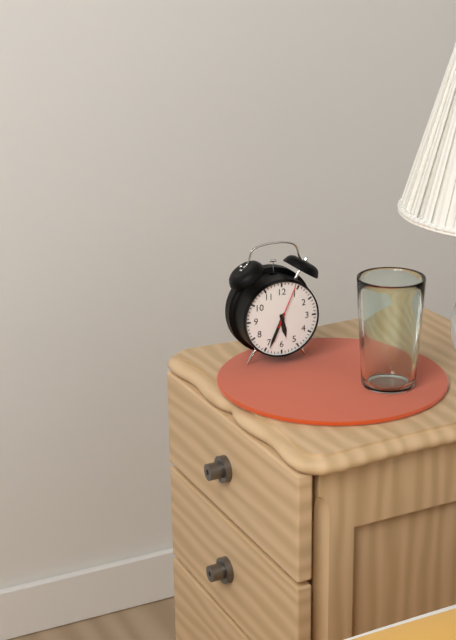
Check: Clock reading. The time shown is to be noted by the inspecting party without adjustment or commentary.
5:34
